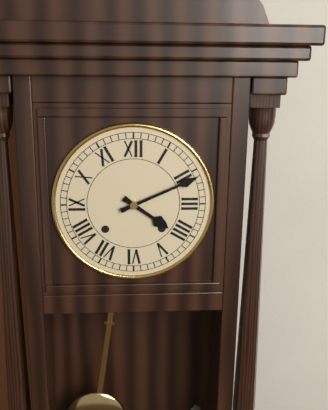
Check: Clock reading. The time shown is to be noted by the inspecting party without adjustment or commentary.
4:11
